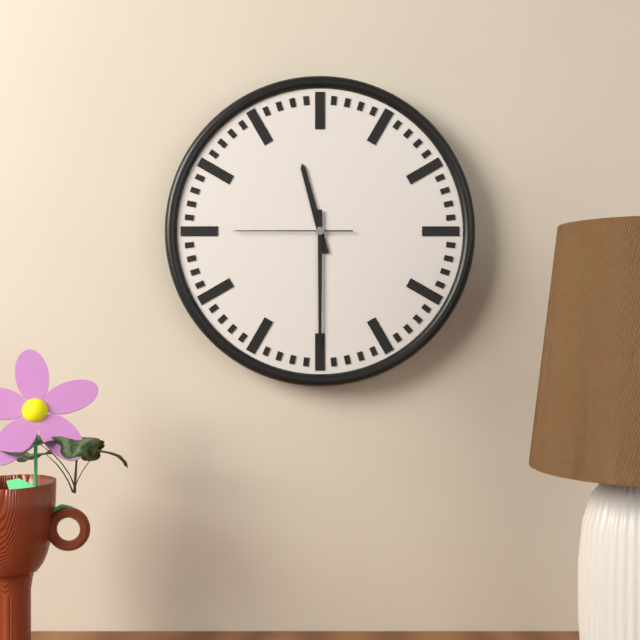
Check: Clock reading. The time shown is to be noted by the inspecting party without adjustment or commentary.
11:30:45
